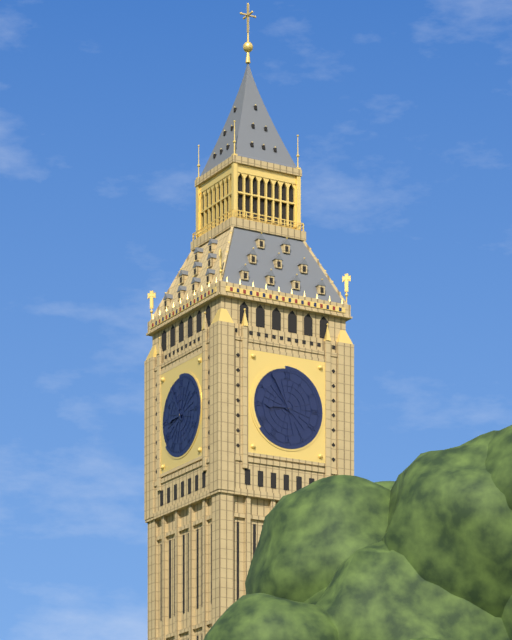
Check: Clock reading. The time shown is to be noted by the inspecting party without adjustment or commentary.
8:55
